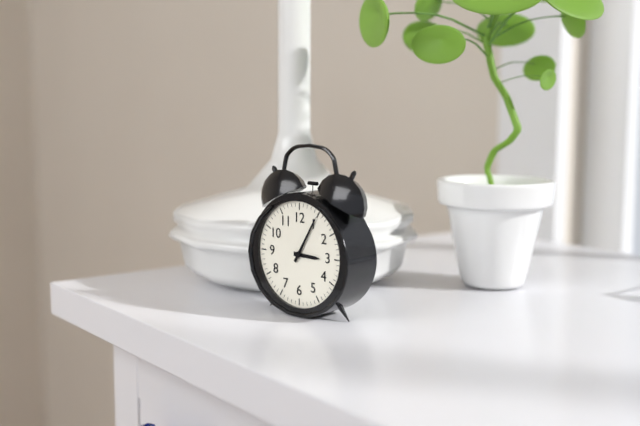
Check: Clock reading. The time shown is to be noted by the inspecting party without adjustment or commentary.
3:05
